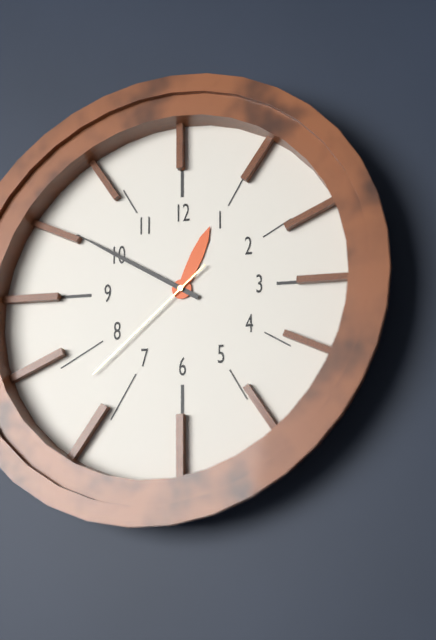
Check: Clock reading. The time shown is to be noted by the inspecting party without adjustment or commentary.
12:50:38
